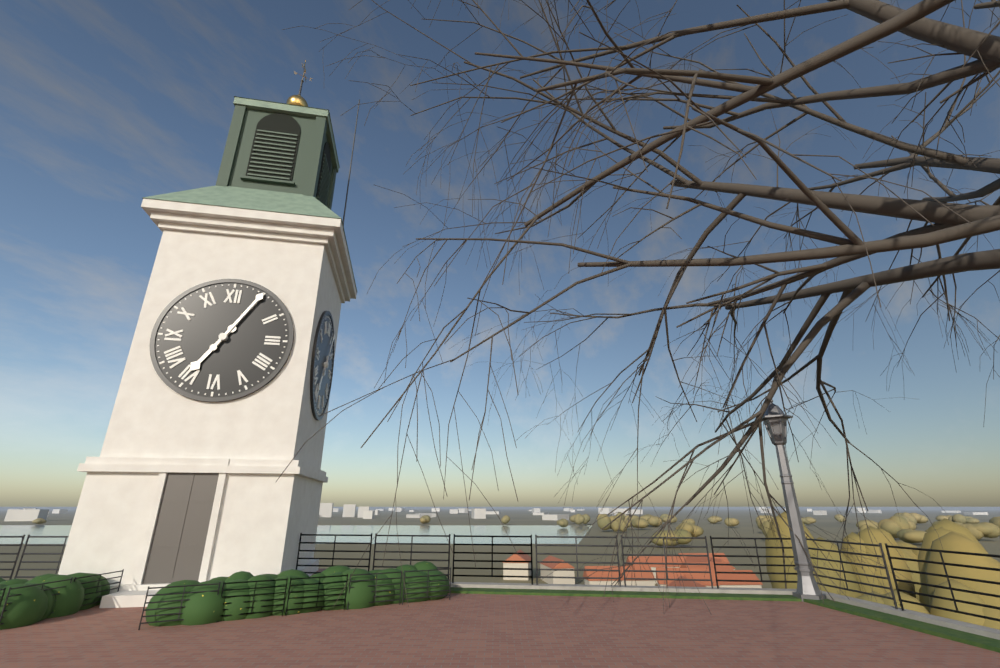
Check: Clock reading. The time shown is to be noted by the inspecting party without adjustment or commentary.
7:05
